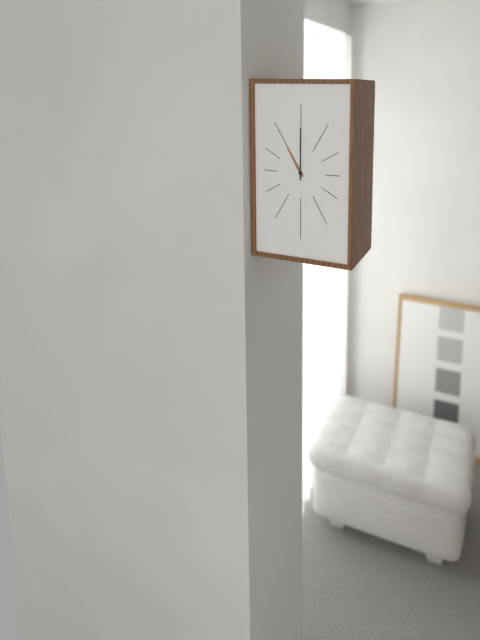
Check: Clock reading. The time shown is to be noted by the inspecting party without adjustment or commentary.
11:00
